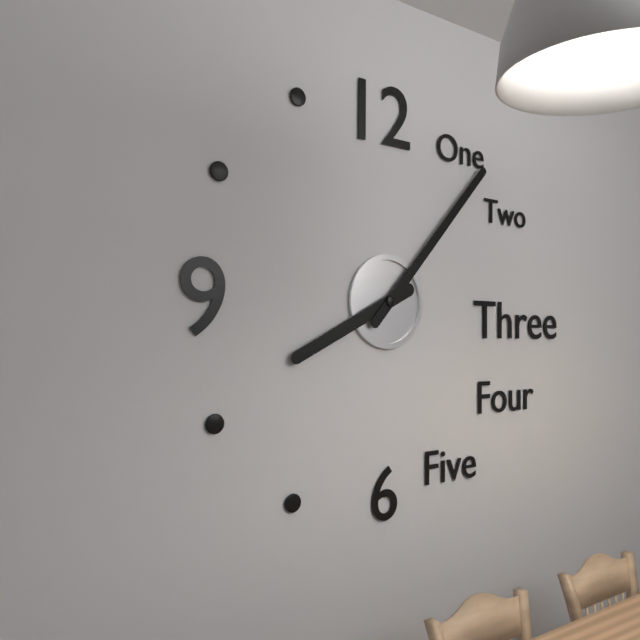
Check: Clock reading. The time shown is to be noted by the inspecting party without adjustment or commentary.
8:07
